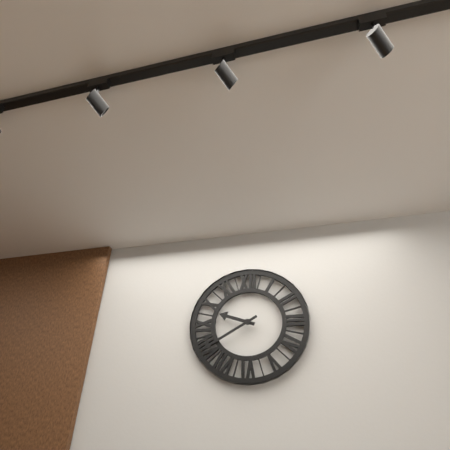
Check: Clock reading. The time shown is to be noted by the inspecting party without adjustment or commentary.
9:40
